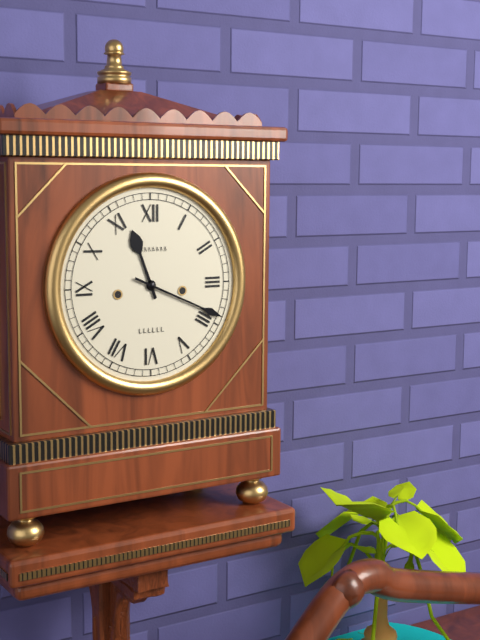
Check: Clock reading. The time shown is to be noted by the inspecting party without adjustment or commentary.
11:19
